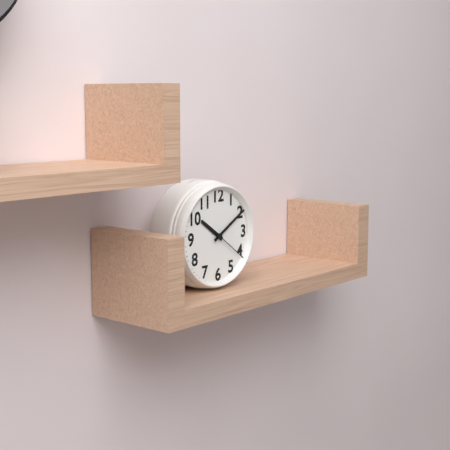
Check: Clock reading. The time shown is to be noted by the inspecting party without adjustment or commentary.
10:10
